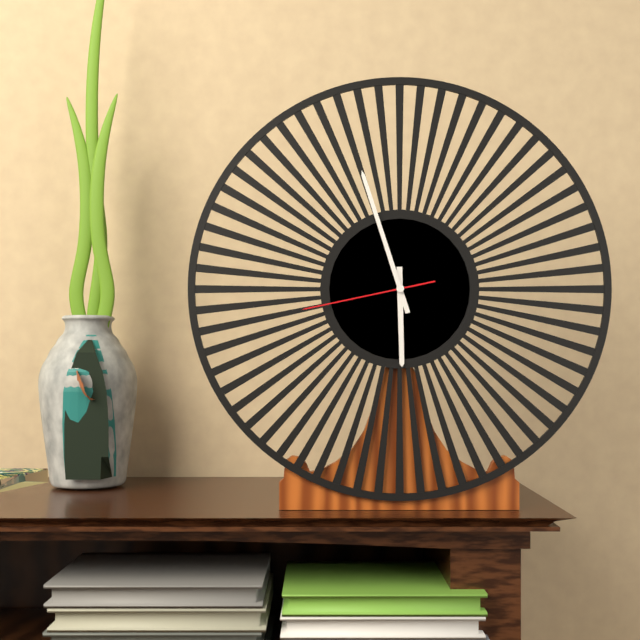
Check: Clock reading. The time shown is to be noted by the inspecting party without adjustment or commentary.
5:57:43
